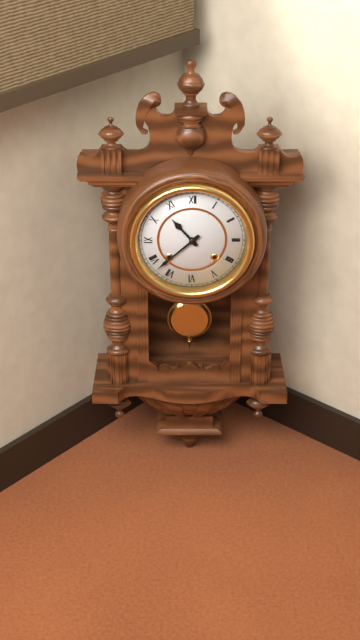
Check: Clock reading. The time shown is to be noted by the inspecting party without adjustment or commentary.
10:38
